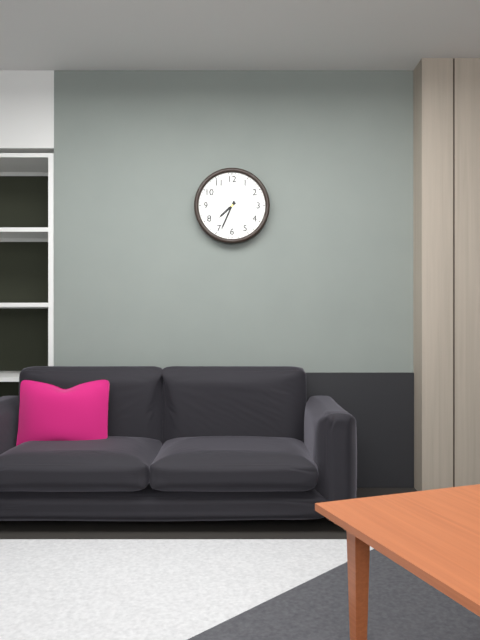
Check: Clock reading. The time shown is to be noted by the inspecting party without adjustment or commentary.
7:34
